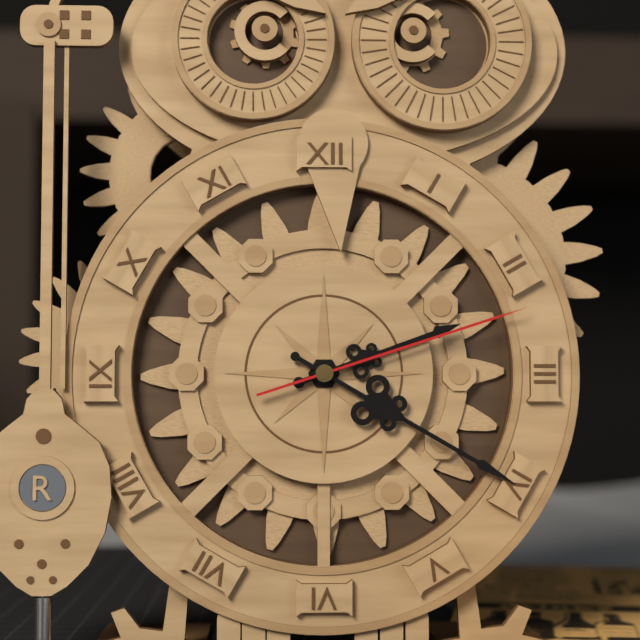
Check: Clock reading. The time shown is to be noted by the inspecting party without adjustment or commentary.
2:20:12
